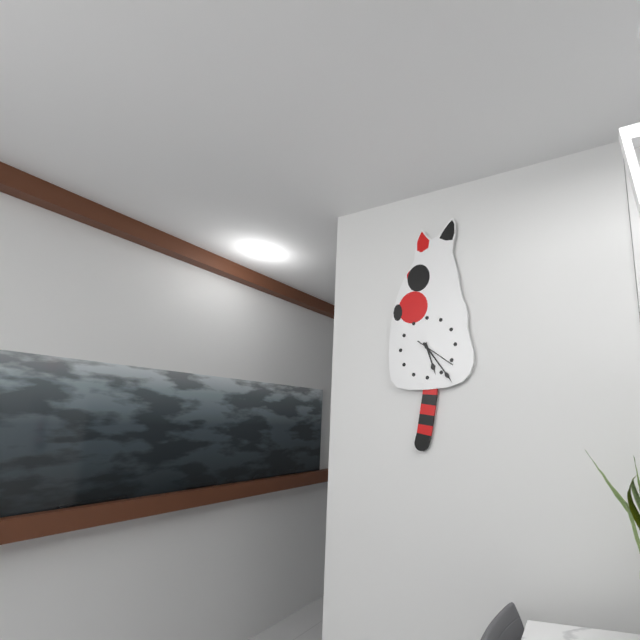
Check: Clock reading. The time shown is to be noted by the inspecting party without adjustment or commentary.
5:24
